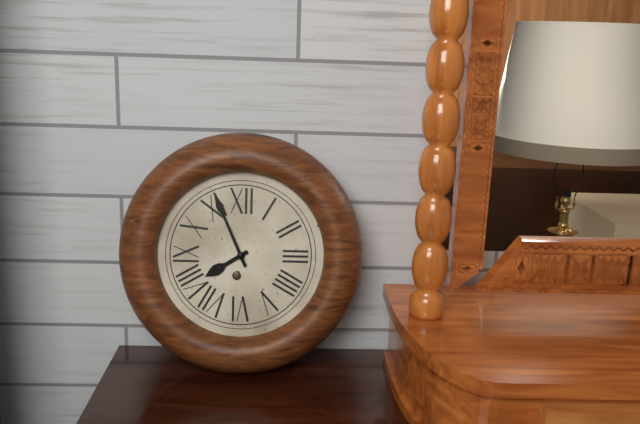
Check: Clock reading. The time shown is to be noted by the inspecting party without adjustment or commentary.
7:56
